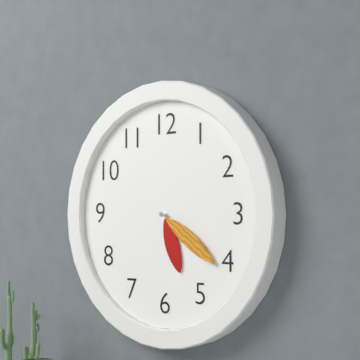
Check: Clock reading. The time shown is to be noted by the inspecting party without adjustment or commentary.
5:21
